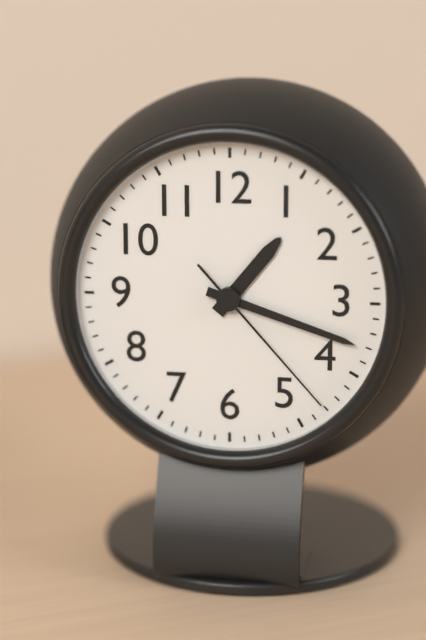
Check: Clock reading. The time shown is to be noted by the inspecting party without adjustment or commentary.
1:18:23
